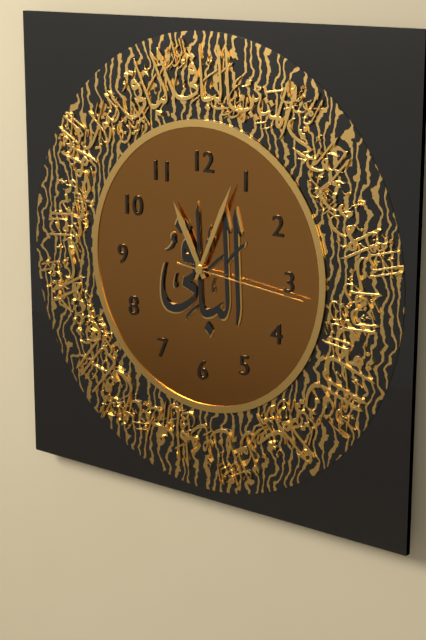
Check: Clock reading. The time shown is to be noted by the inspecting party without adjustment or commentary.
11:04:16
